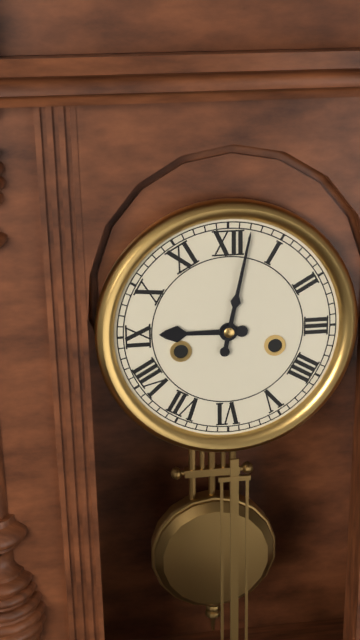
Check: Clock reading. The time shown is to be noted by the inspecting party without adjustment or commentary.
9:02
